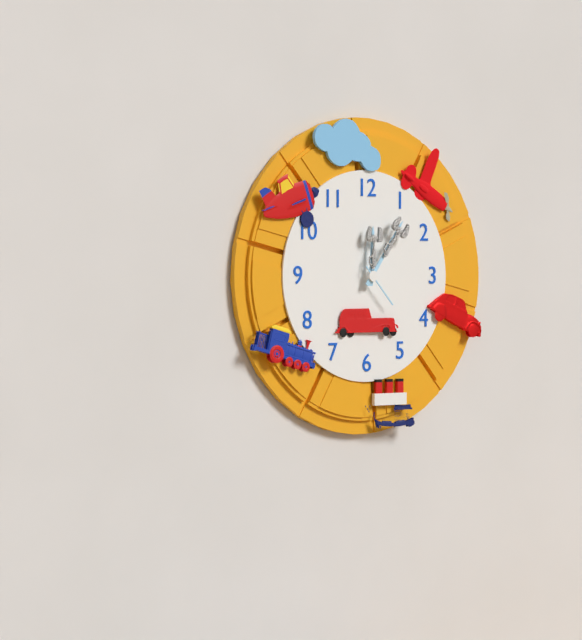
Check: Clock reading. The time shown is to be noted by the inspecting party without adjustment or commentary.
12:06
